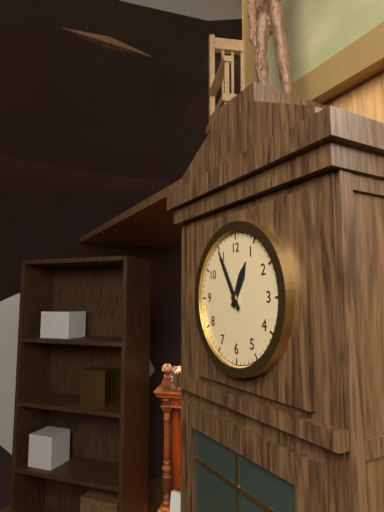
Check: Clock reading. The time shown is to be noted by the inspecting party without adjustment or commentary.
12:55
